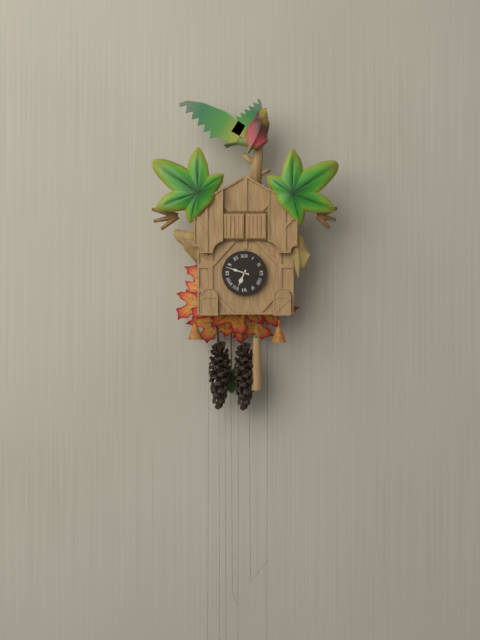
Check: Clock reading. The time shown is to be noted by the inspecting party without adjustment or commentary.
6:48
